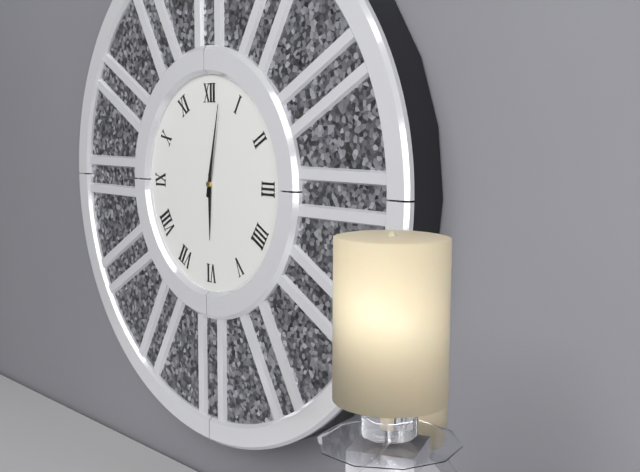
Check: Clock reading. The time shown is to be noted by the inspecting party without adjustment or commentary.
6:02
